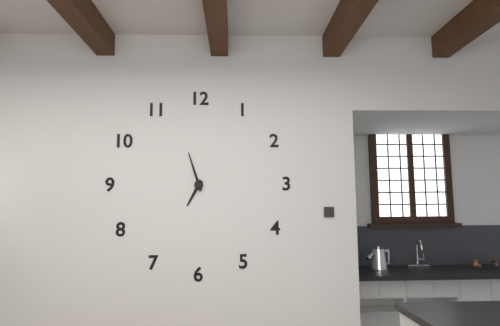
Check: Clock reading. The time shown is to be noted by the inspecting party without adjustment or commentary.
6:57
